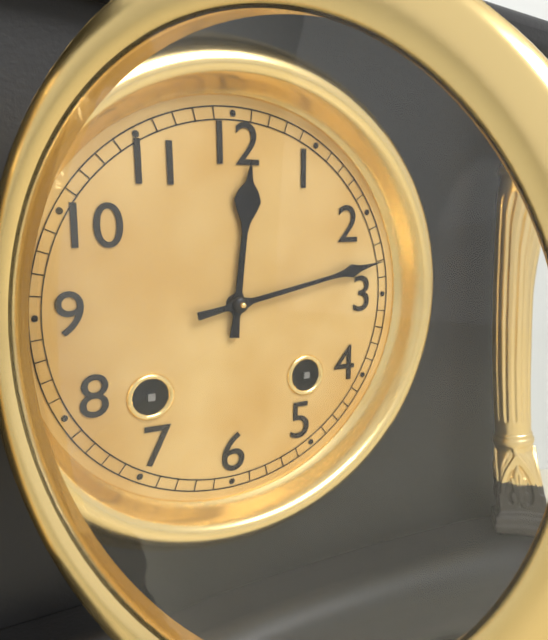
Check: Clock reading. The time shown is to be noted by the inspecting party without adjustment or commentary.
12:13
